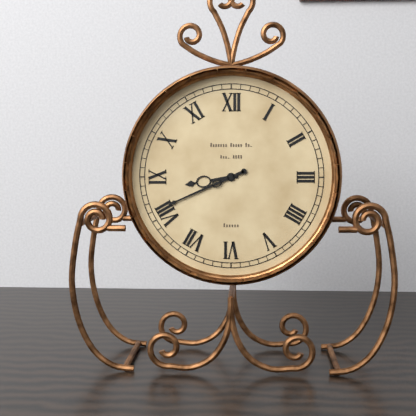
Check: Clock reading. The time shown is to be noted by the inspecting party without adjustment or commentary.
8:41
